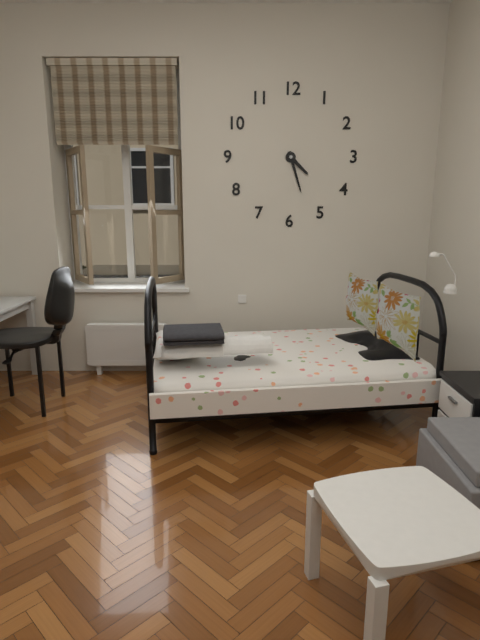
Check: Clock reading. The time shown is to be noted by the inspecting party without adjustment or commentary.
4:27
